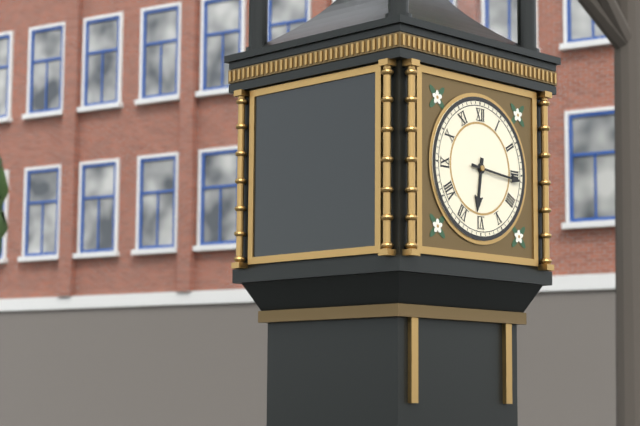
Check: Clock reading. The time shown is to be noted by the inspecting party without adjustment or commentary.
6:16
